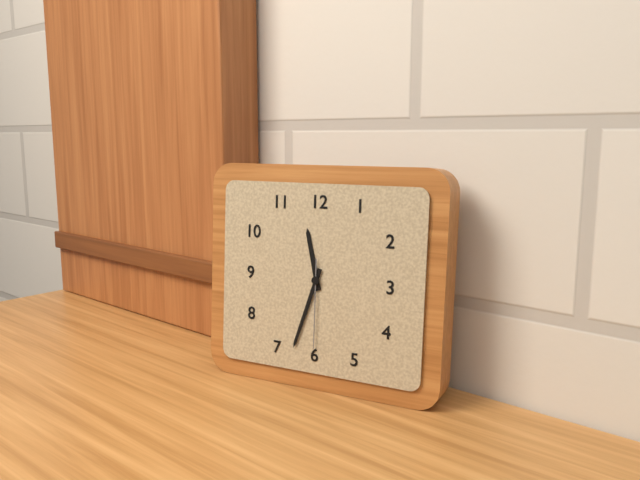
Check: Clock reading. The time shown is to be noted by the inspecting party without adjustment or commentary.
11:33:30
